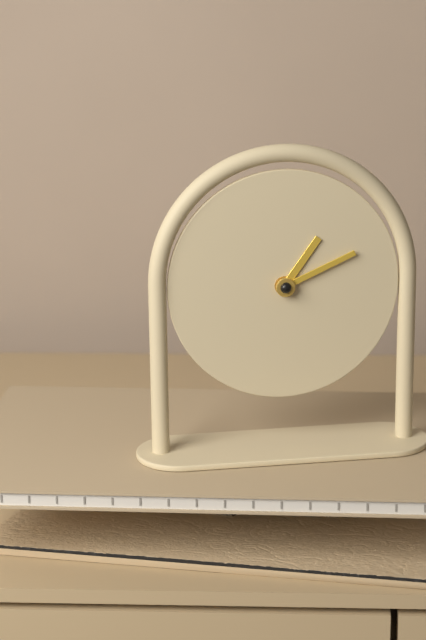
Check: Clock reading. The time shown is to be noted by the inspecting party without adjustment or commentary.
1:11
